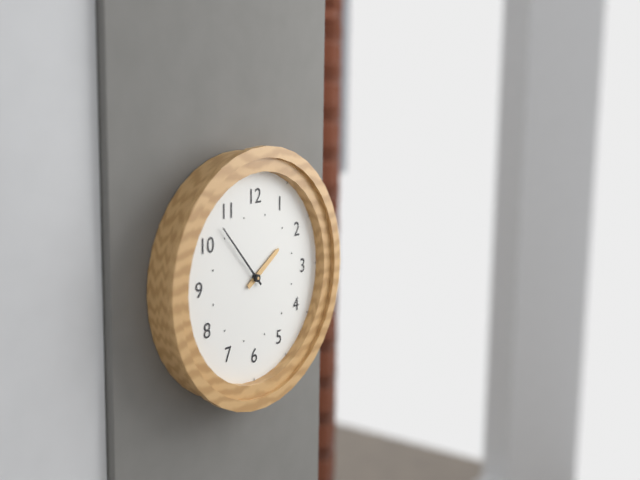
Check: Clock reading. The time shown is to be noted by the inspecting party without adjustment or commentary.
1:53
